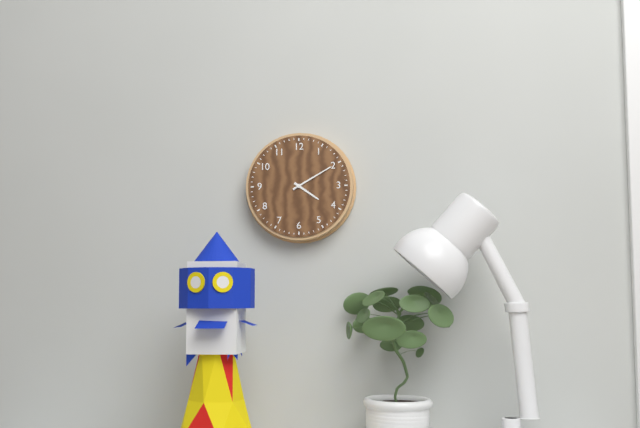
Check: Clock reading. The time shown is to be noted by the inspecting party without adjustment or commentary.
4:10
